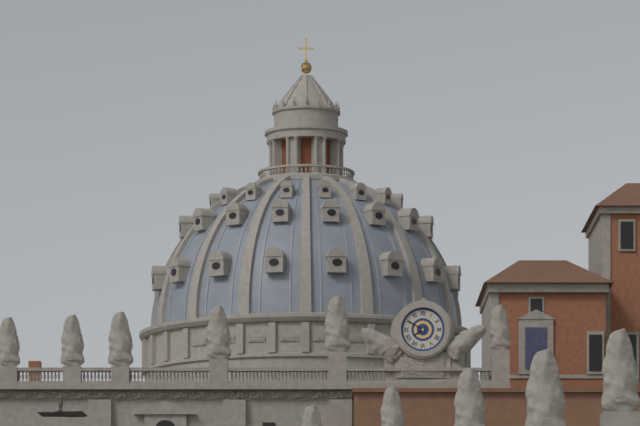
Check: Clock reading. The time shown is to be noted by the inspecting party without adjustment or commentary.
7:50
